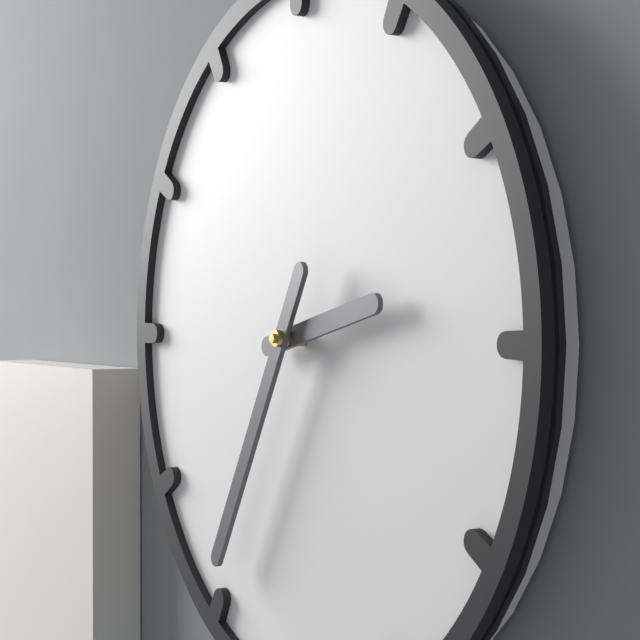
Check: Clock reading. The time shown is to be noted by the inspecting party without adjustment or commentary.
2:35
